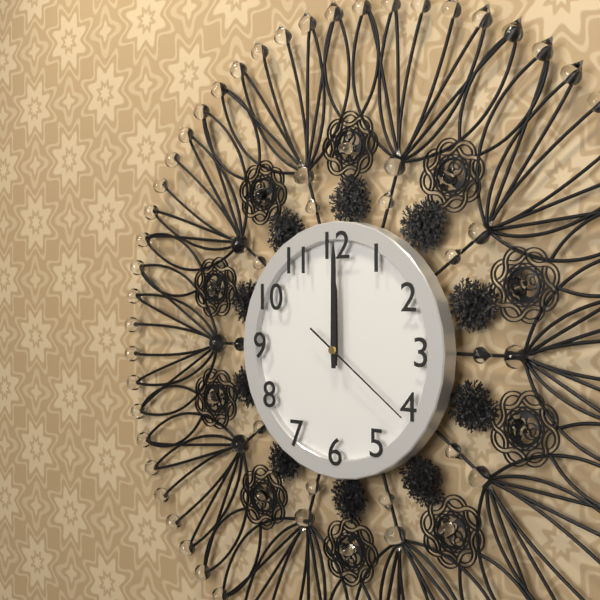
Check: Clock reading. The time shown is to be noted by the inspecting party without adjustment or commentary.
12:00:21
